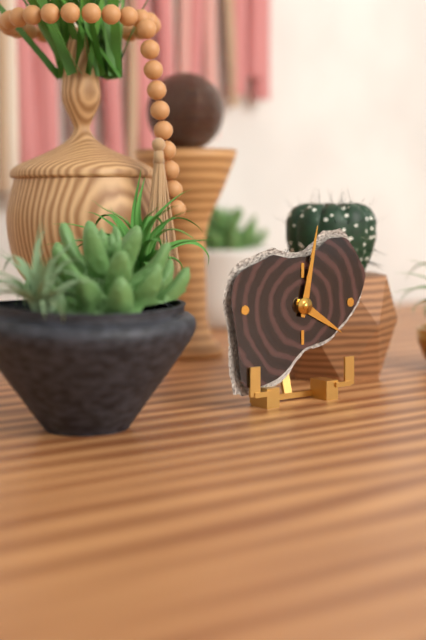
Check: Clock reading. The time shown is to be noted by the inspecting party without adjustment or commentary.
4:02
